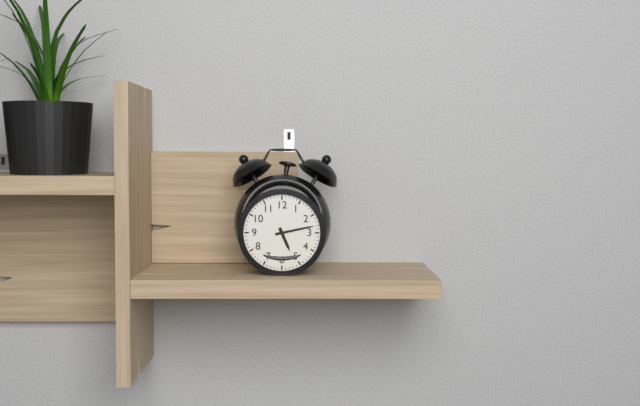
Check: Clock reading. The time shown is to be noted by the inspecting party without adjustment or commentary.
5:13
